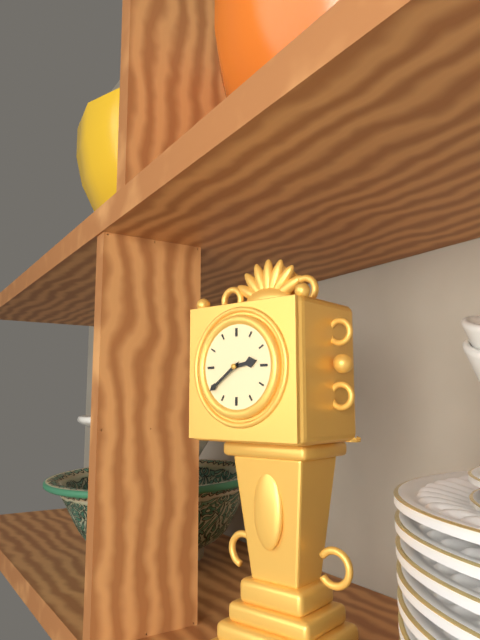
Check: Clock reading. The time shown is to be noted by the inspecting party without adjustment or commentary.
2:39
